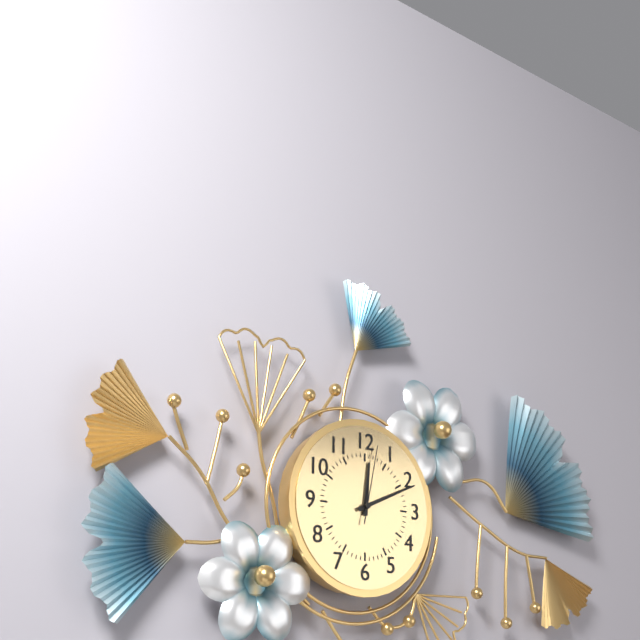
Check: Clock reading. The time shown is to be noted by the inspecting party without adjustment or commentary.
12:11:02
